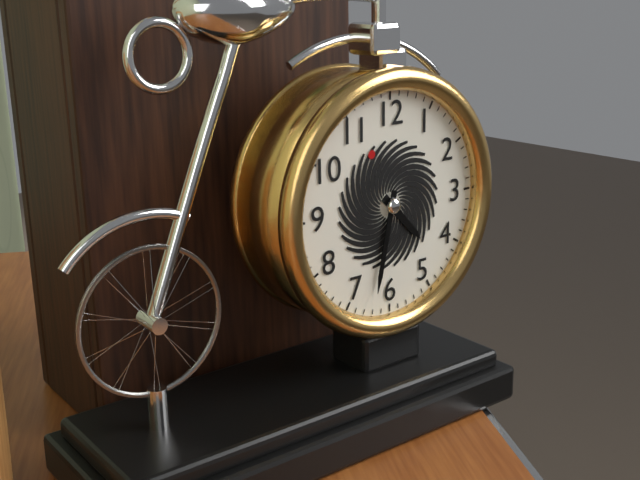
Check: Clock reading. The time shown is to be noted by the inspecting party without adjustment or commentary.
4:32
